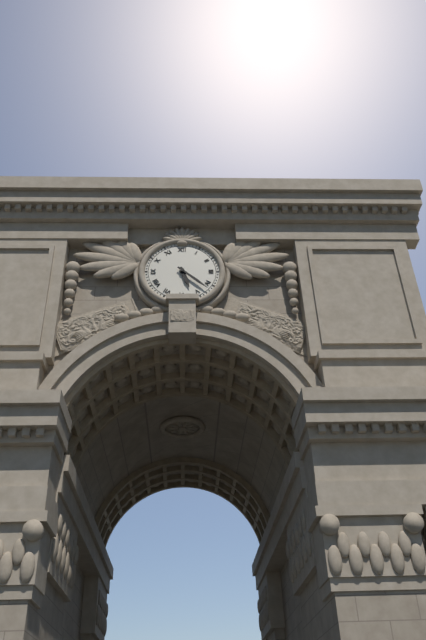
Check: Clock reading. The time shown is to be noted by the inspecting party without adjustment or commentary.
5:22
